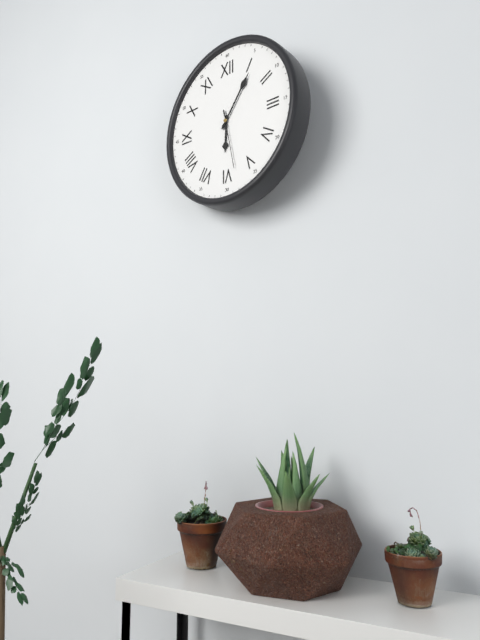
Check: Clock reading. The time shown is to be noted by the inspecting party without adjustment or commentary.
6:06:28
